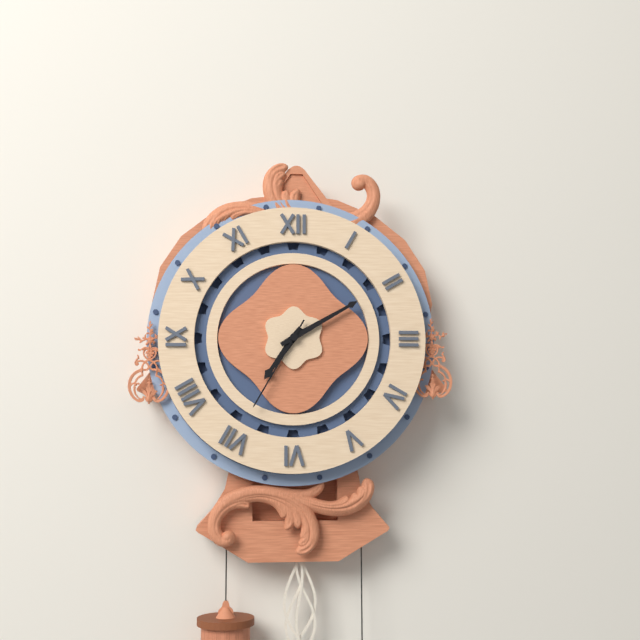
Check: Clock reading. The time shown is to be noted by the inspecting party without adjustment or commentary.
7:10:35
